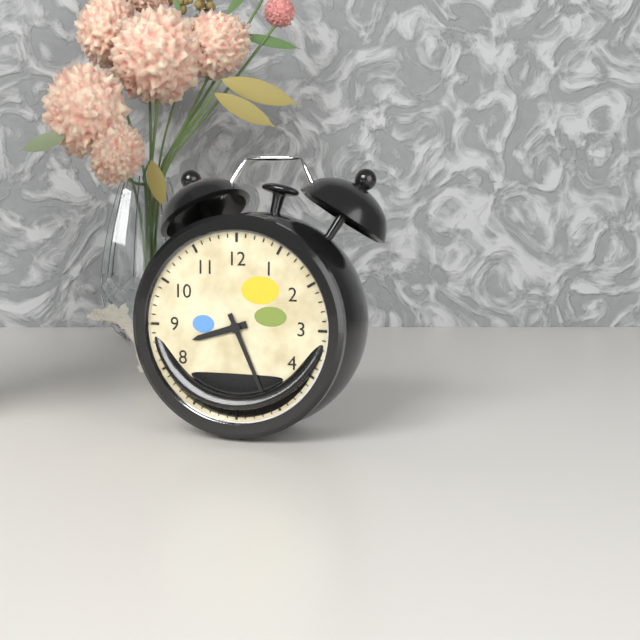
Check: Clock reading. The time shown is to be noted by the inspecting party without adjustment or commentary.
8:26
